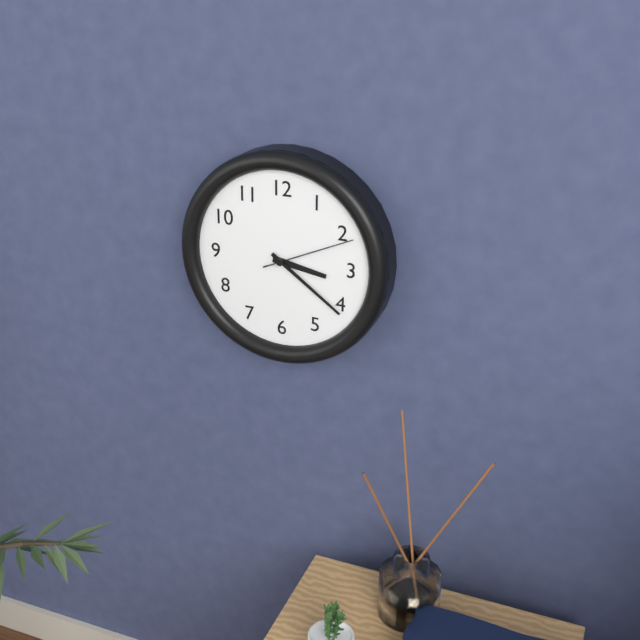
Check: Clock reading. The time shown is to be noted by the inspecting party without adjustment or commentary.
3:21:11
